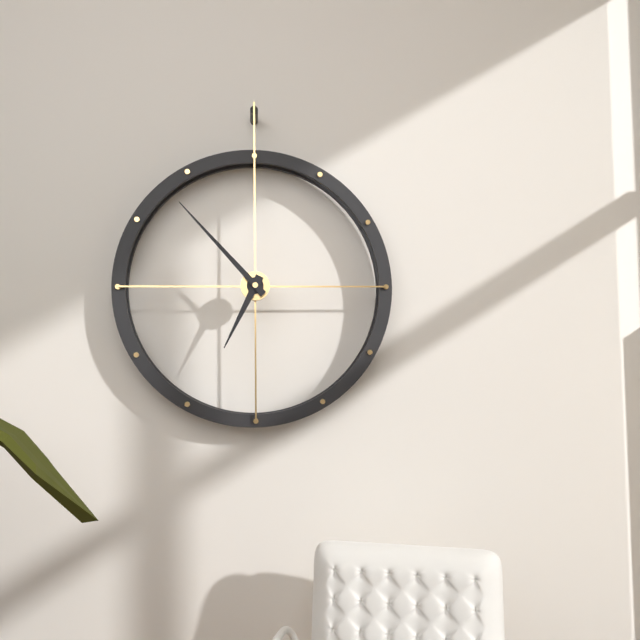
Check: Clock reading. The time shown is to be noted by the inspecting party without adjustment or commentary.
6:53
